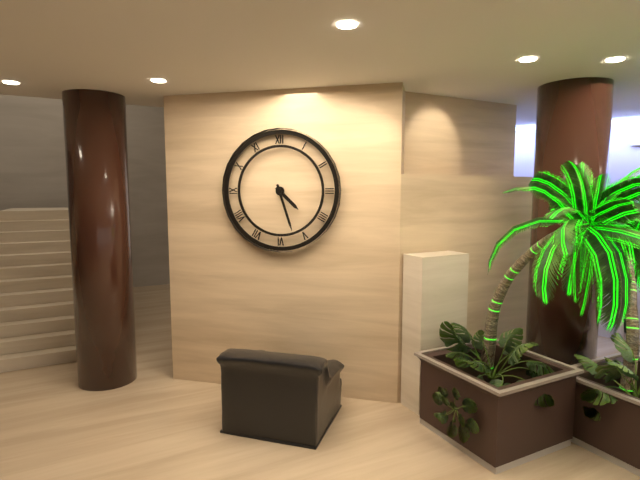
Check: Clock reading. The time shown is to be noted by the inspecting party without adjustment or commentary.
4:27
